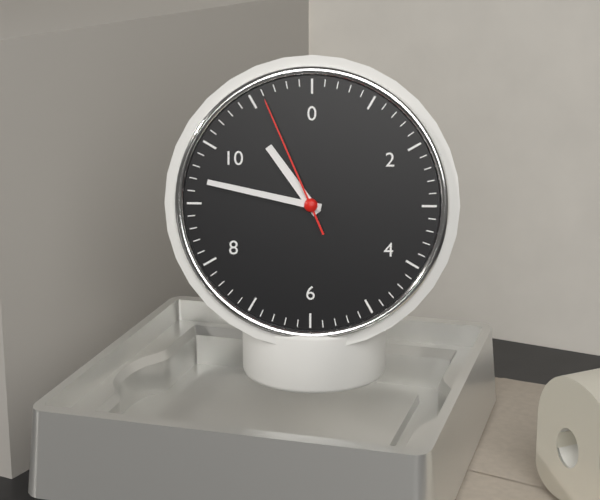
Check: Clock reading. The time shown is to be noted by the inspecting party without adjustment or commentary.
10:47:56
